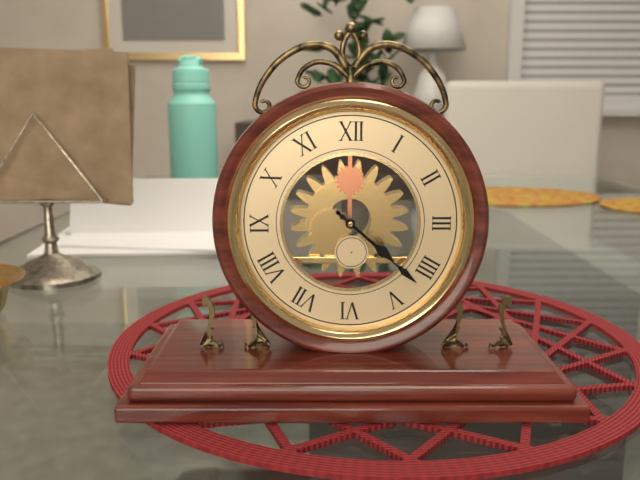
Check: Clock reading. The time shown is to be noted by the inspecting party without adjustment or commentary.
4:22
